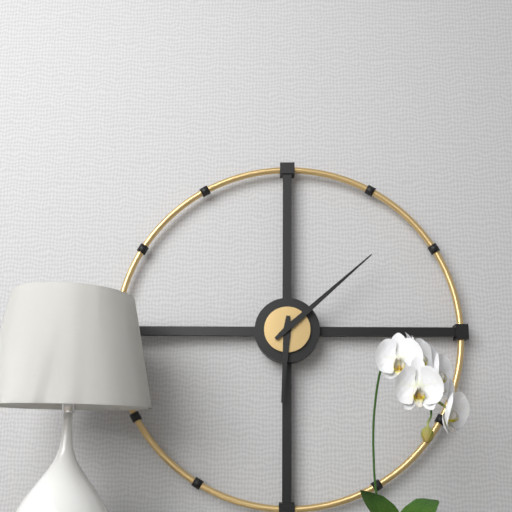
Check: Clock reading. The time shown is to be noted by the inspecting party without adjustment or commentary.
6:08
